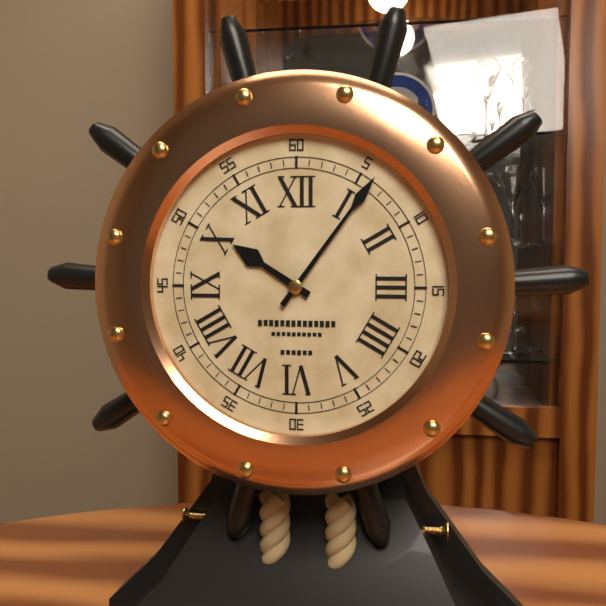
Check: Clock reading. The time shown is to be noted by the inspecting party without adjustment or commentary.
10:06
